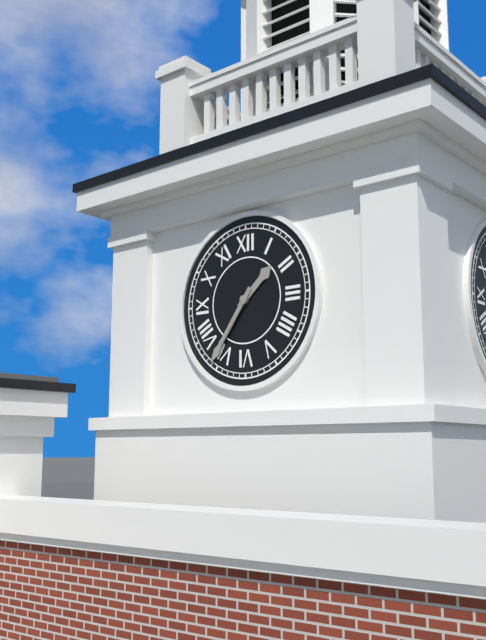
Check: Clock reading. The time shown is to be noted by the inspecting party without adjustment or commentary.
1:36
